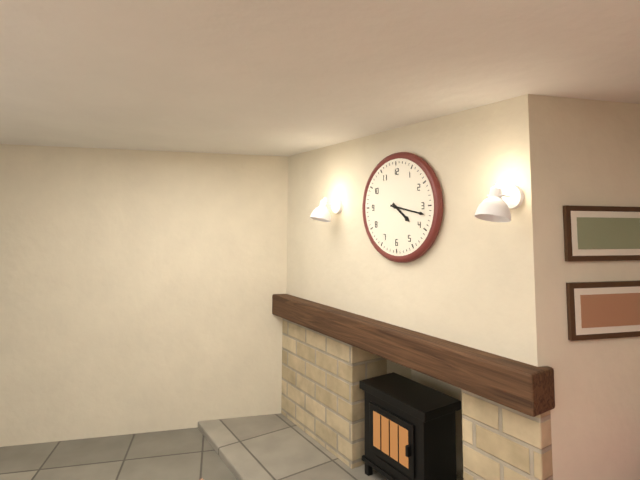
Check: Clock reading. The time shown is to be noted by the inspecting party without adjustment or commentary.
4:17
